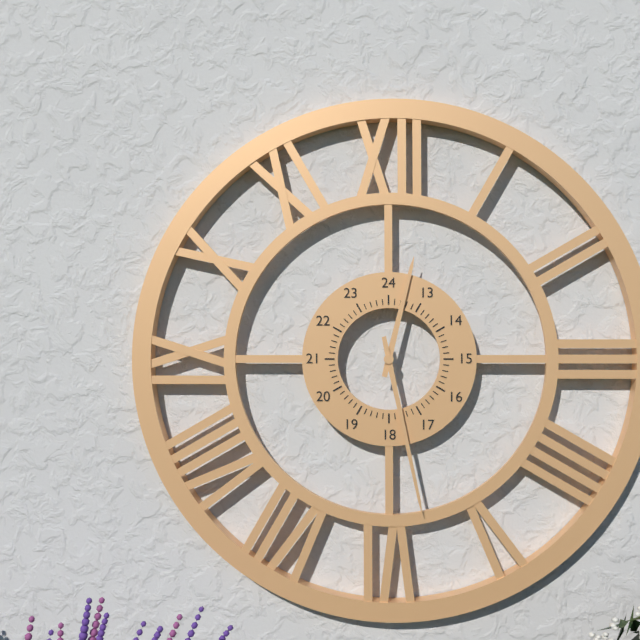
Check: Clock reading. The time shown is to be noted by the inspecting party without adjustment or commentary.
12:28
